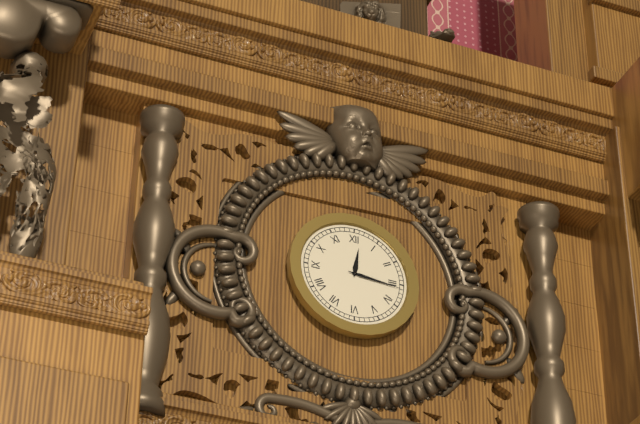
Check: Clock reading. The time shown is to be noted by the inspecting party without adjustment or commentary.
12:16
